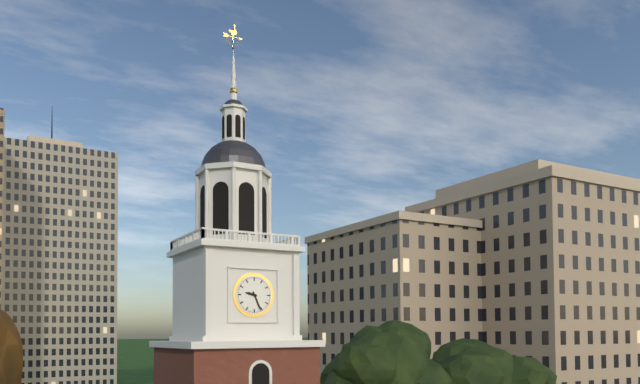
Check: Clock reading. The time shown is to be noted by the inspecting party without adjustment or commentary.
9:26
